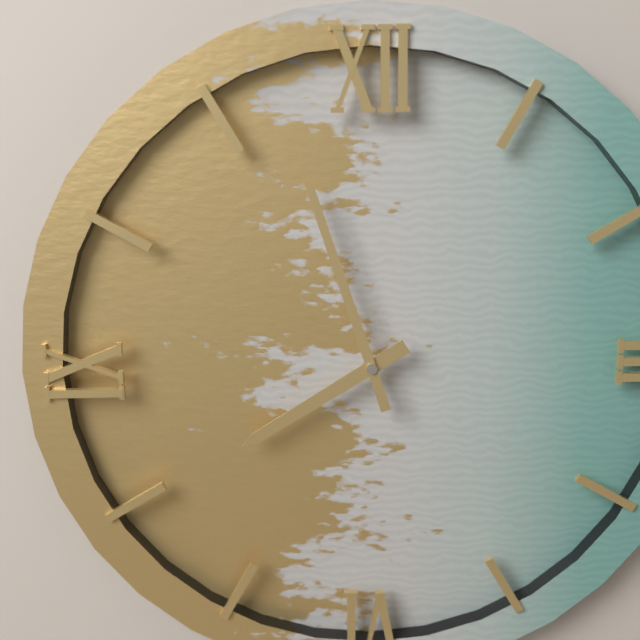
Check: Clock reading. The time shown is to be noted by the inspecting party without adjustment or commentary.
7:57
